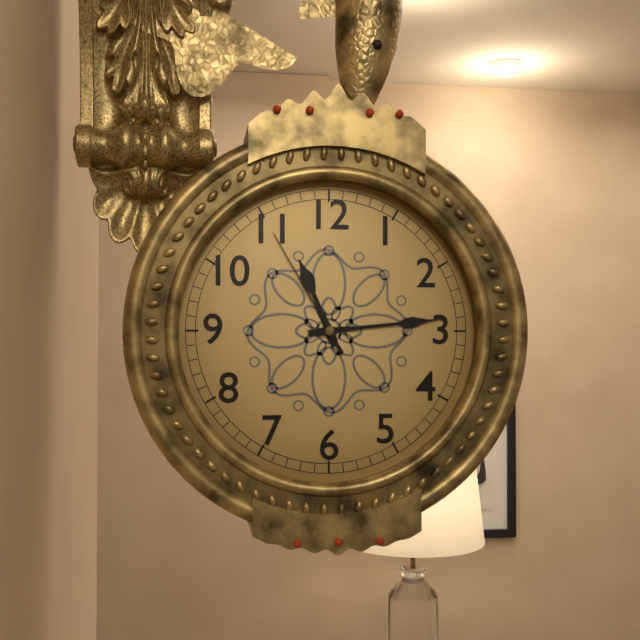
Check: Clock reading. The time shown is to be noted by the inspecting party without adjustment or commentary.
11:14:55
